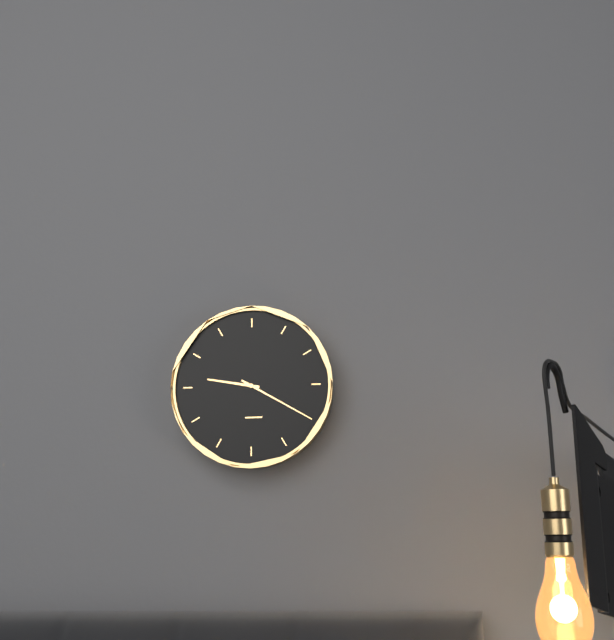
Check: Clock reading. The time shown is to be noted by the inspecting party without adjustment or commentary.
9:20
